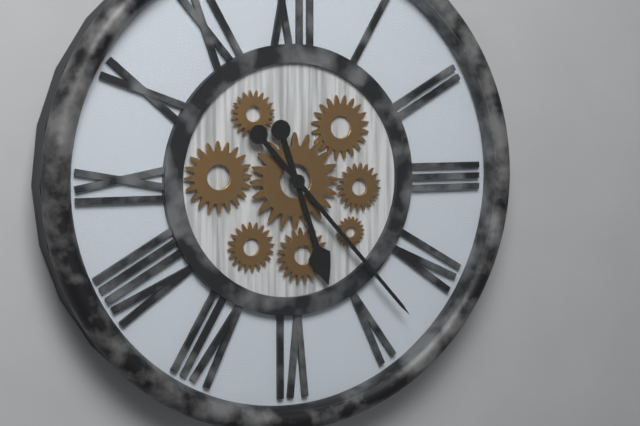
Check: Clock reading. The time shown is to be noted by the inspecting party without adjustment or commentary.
5:23
